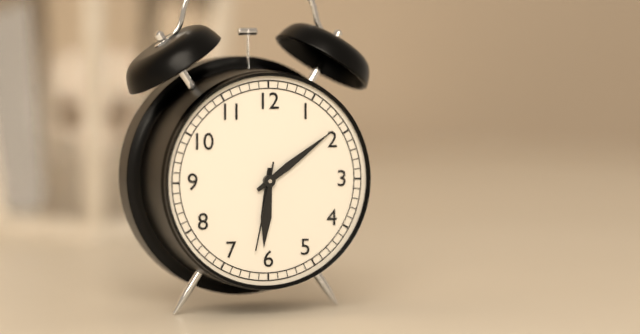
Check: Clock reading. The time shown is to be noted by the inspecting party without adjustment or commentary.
6:09:32
